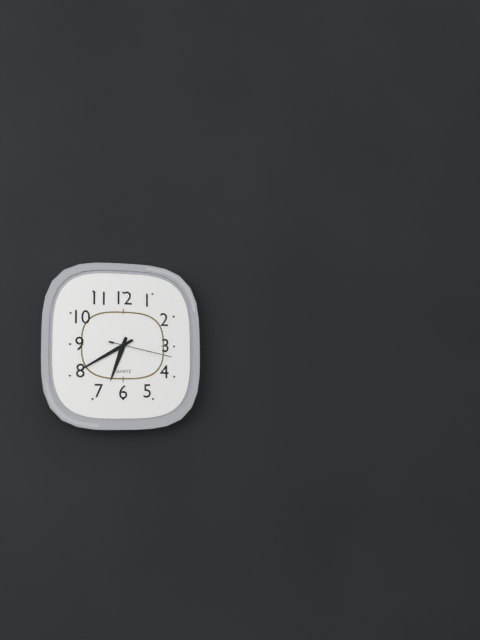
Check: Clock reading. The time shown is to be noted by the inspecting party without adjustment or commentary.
6:40:17
